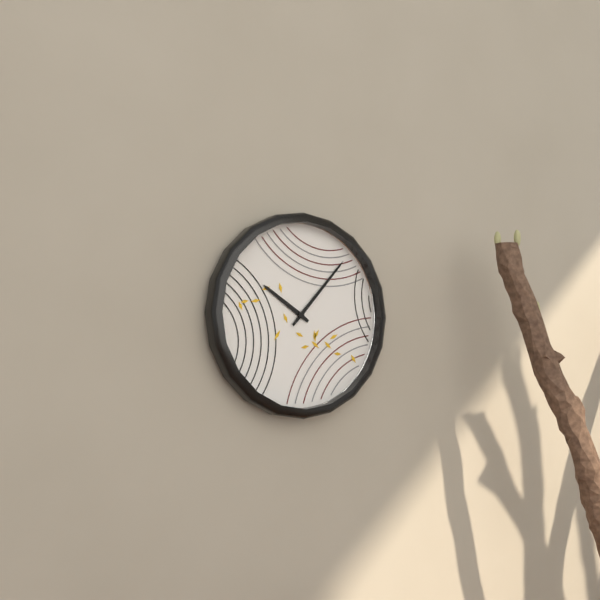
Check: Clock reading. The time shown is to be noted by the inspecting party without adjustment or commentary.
10:07
